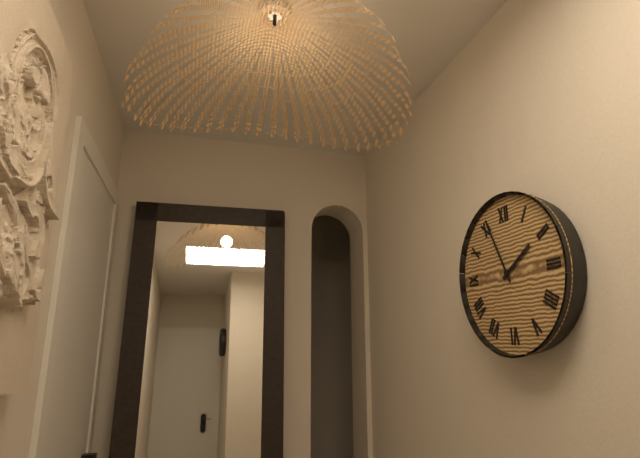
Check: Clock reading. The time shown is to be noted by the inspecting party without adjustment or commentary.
1:56
